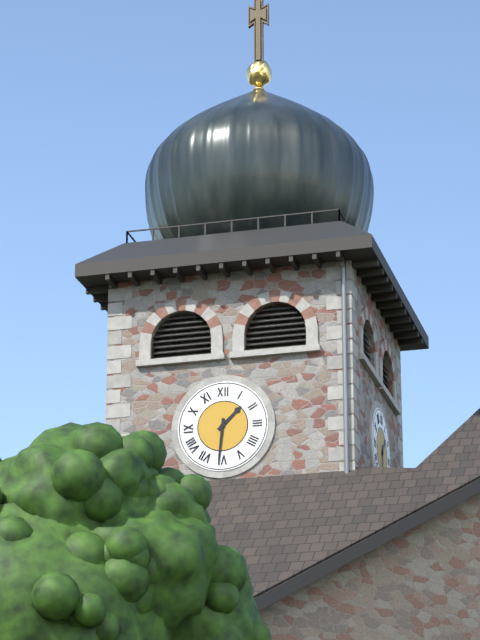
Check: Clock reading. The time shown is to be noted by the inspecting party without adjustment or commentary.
1:31
